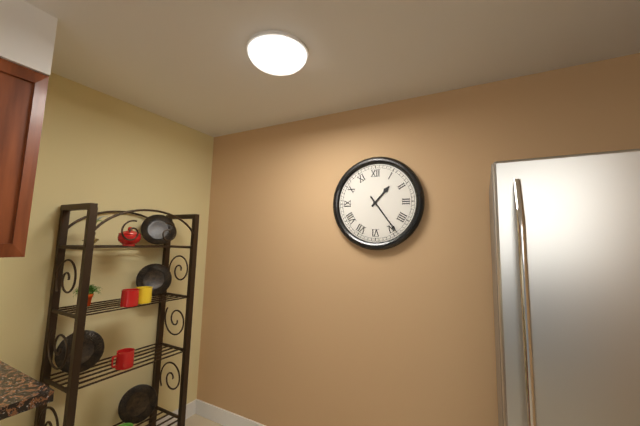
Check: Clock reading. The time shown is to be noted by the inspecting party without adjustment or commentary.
1:24
